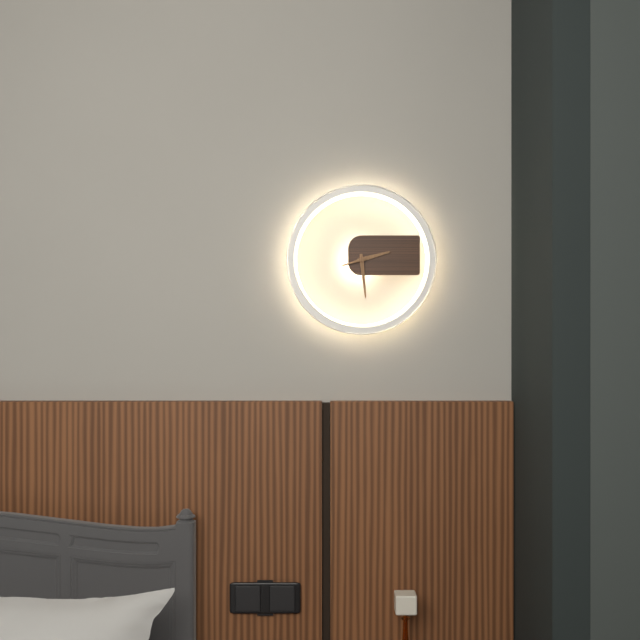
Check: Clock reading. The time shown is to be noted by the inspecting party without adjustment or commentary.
2:29
